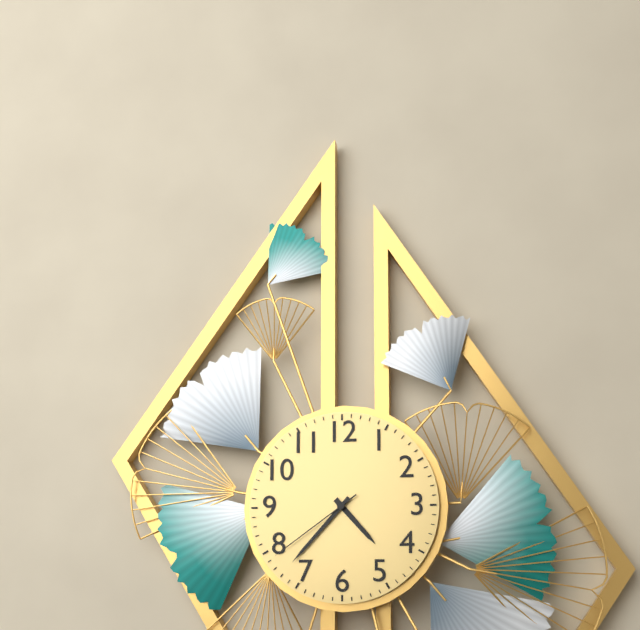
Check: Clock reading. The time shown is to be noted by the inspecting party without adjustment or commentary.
4:37:39
